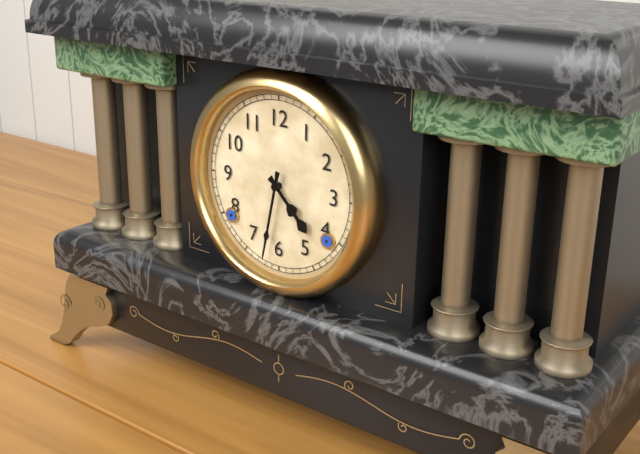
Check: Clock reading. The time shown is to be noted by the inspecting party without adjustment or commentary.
4:32
